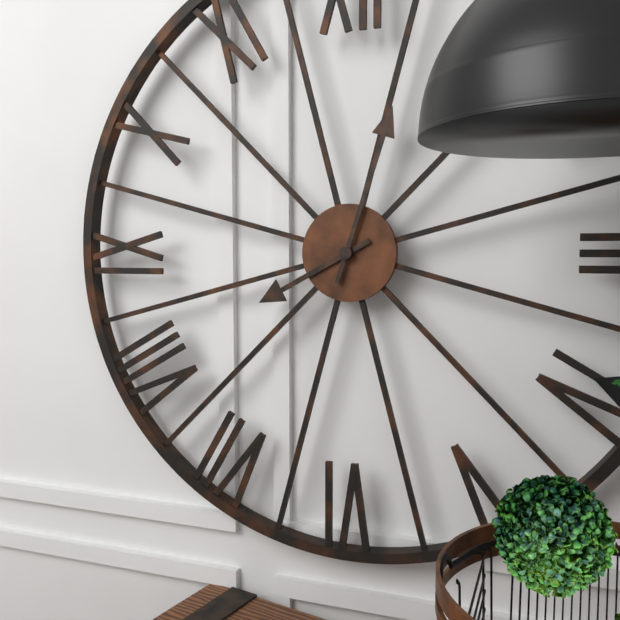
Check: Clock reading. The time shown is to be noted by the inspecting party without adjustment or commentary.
8:03
